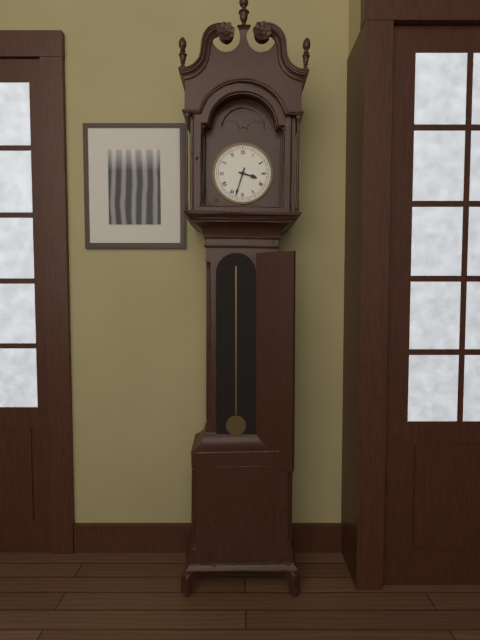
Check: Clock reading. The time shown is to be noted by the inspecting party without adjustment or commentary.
3:33
